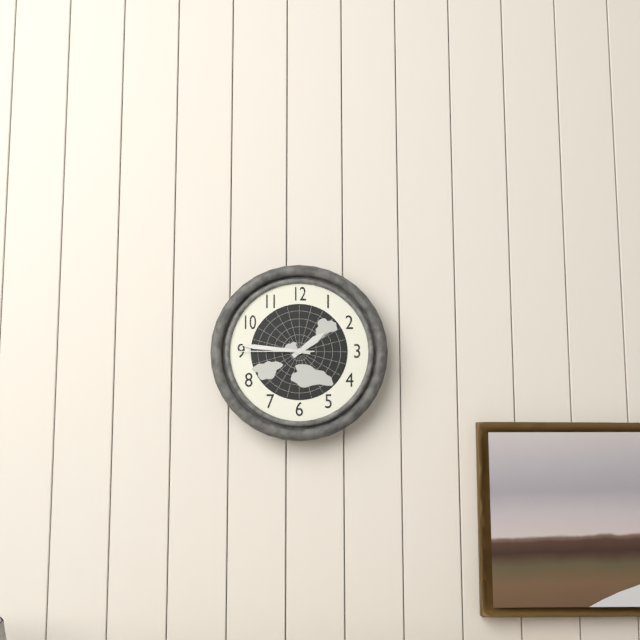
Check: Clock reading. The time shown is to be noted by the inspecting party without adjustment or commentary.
1:46:45
